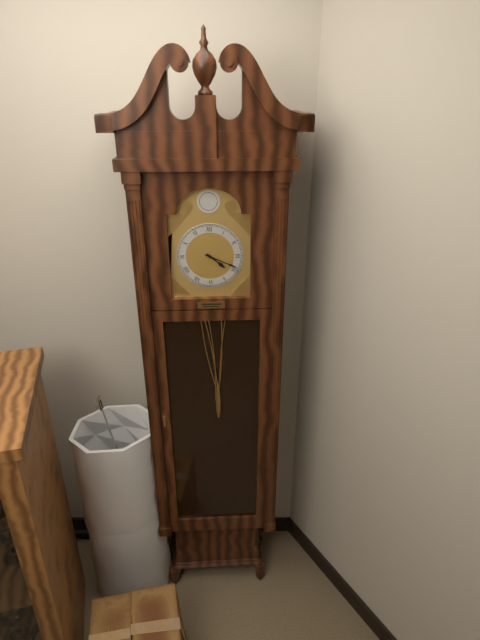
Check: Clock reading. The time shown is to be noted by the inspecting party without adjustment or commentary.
4:19
